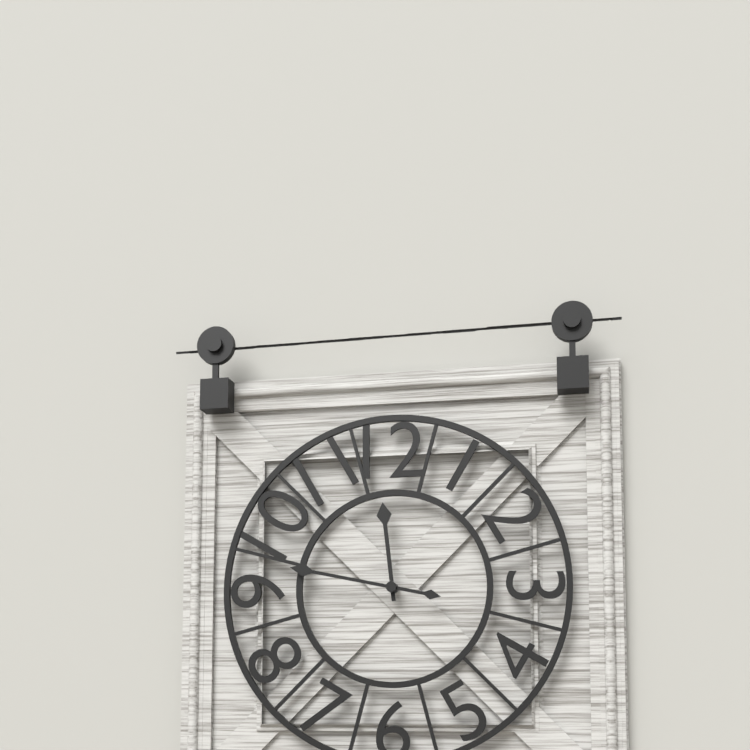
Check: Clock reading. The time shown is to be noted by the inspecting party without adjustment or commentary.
11:47
